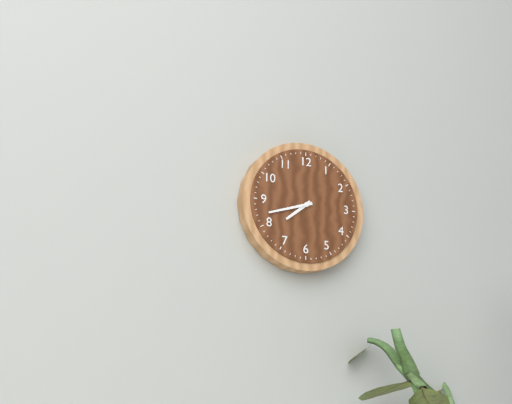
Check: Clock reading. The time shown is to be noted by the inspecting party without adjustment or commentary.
7:42
